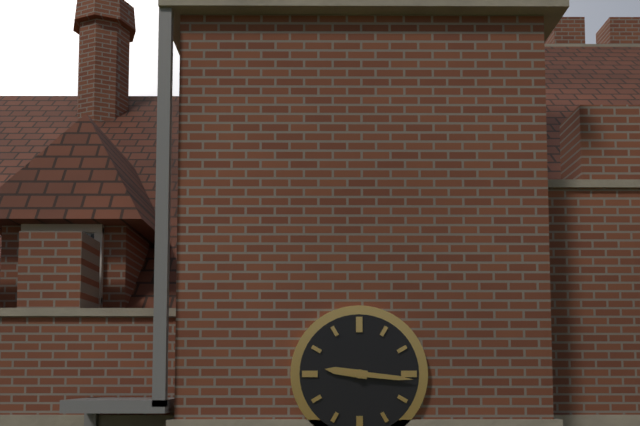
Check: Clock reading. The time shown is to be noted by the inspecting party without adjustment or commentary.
9:16
